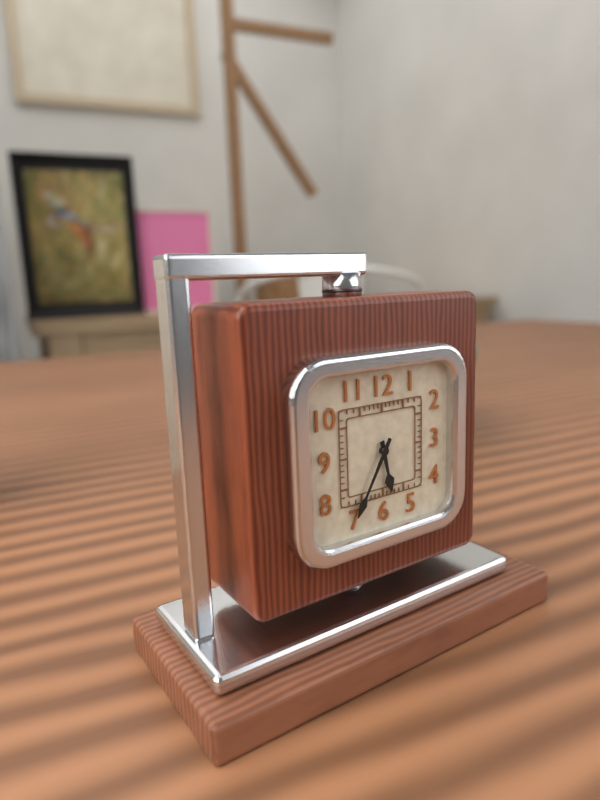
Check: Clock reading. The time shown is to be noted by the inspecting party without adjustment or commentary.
5:35
